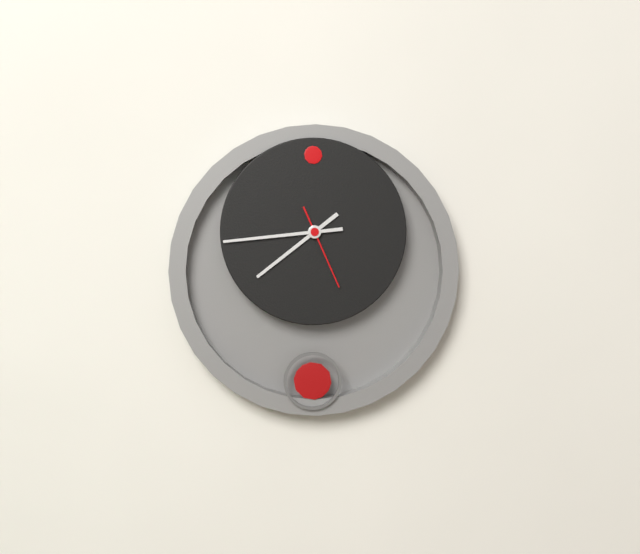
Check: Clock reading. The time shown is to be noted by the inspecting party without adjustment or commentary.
7:44:26
